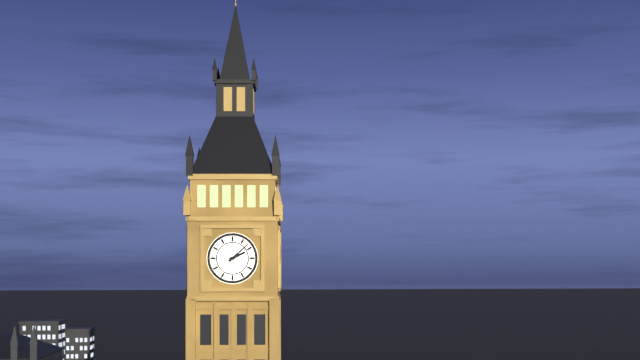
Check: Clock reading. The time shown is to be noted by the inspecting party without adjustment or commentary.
2:08
